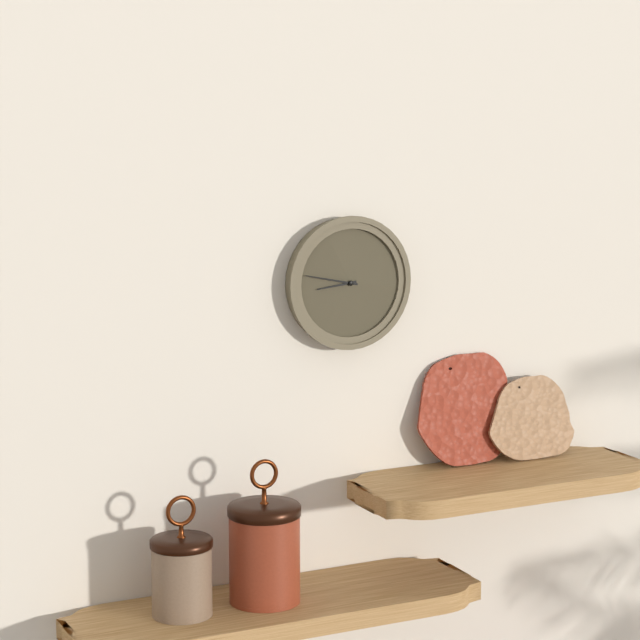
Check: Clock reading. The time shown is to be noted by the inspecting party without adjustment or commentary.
8:47
